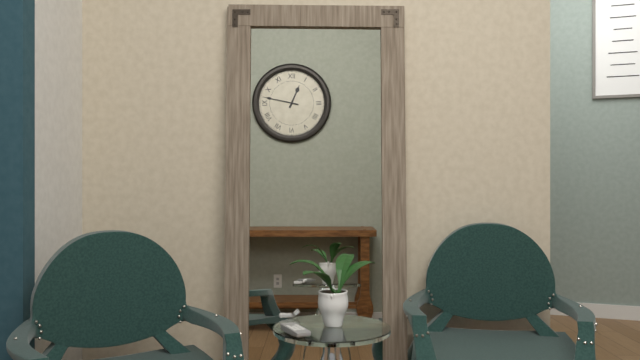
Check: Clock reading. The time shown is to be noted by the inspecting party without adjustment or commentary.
12:47
